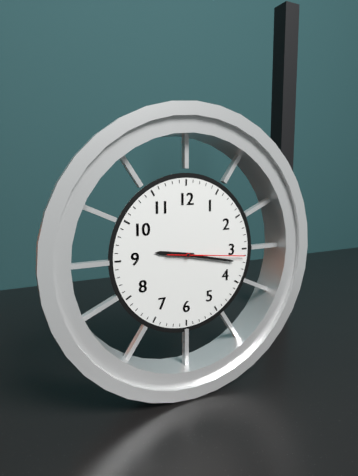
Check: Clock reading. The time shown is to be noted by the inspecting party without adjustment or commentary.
9:17:16
